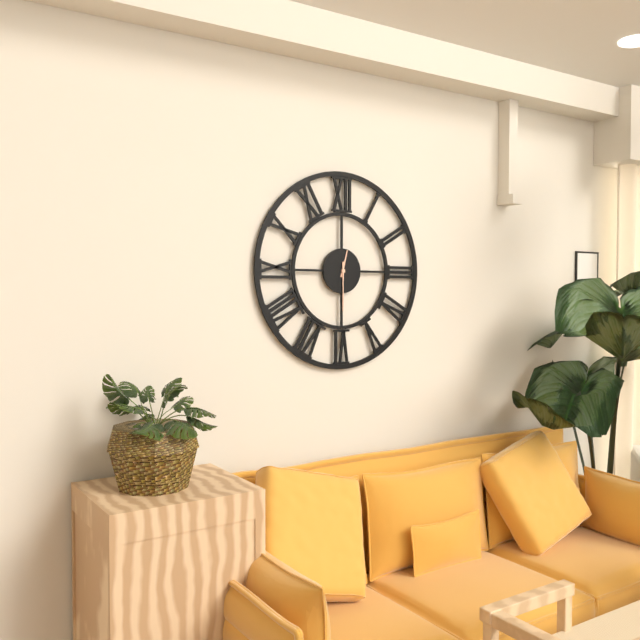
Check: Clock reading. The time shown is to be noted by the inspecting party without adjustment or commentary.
12:30
